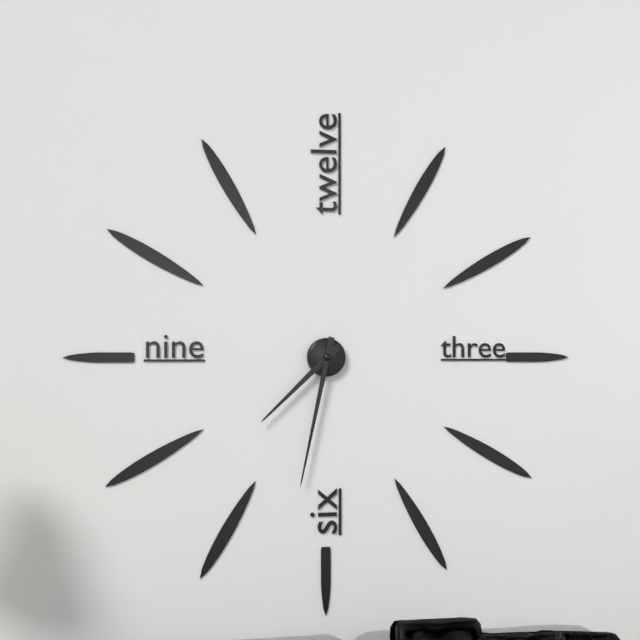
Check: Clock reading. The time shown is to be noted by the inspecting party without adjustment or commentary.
7:32
